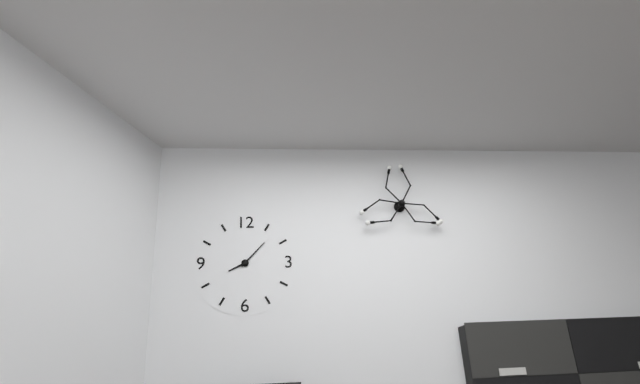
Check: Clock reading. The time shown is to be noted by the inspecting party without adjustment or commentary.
8:07
